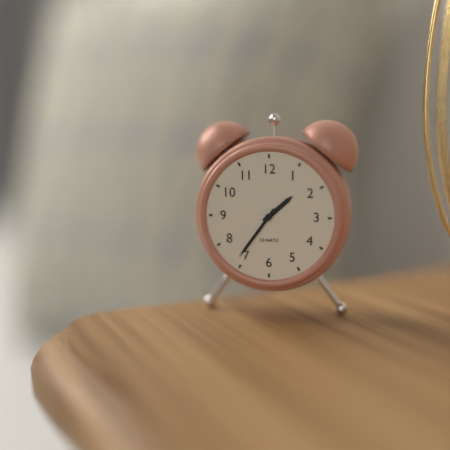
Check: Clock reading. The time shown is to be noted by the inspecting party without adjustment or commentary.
1:36
